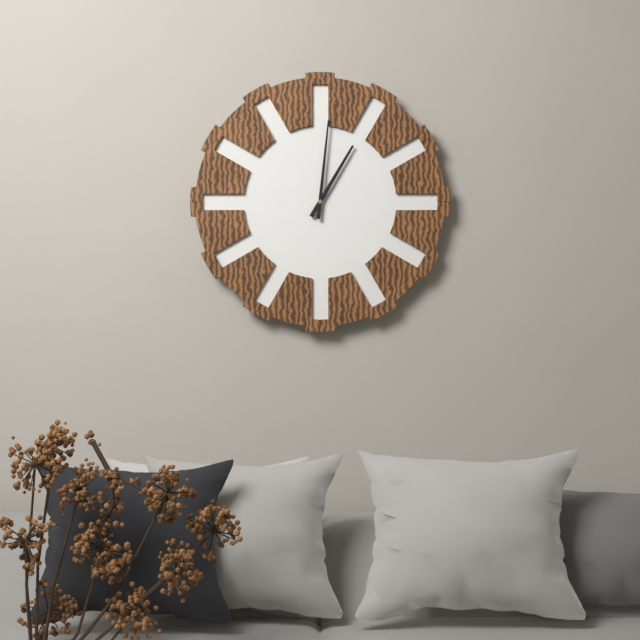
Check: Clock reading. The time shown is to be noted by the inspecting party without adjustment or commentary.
1:01
